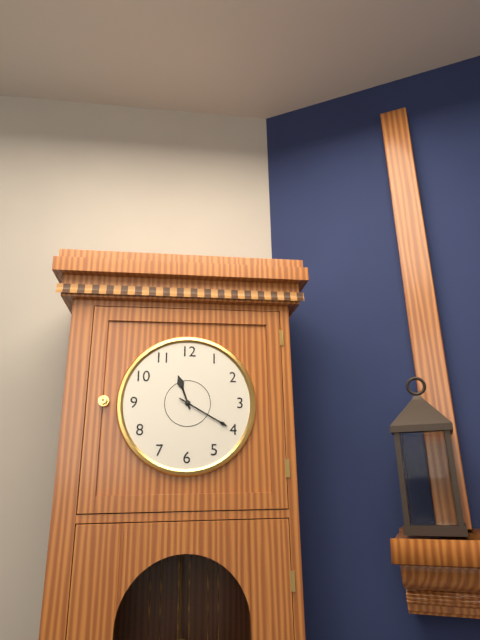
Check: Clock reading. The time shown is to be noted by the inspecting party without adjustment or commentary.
11:20
